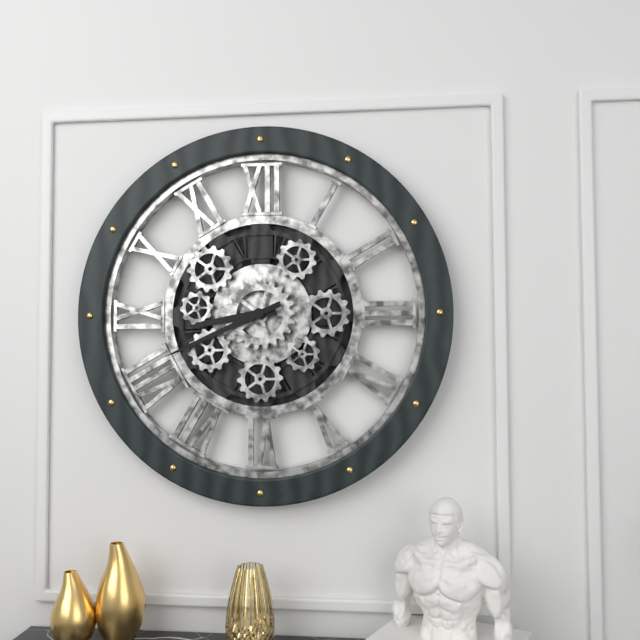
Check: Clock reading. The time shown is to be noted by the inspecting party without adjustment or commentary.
8:41
